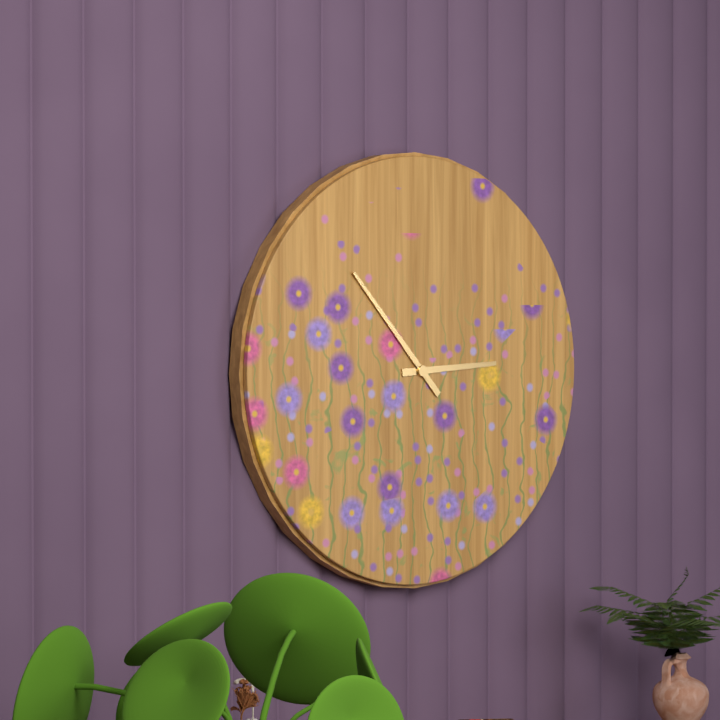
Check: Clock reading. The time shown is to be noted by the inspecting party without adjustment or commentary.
2:53
